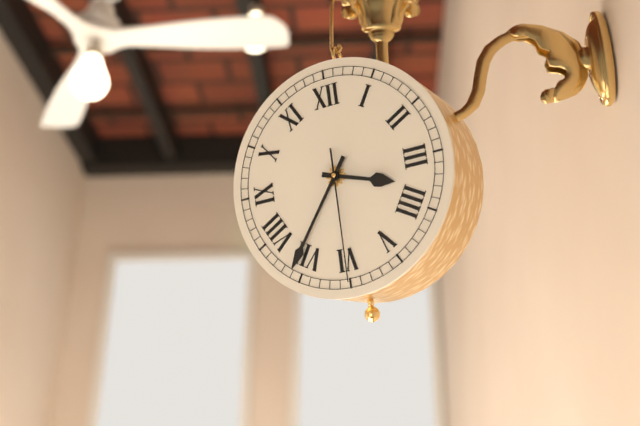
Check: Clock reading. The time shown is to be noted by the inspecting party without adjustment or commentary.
3:36:30
